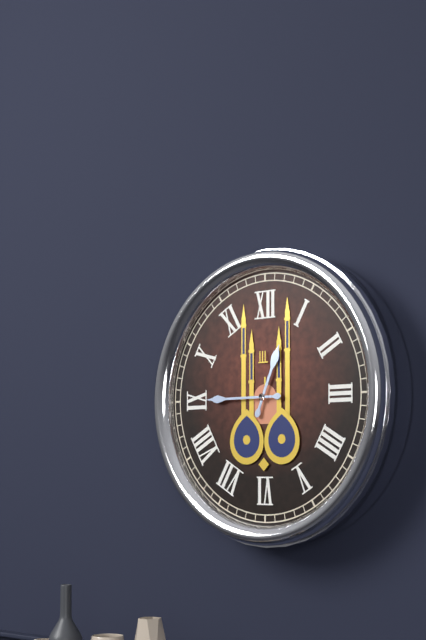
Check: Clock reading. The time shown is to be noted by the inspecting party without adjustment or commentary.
12:45
